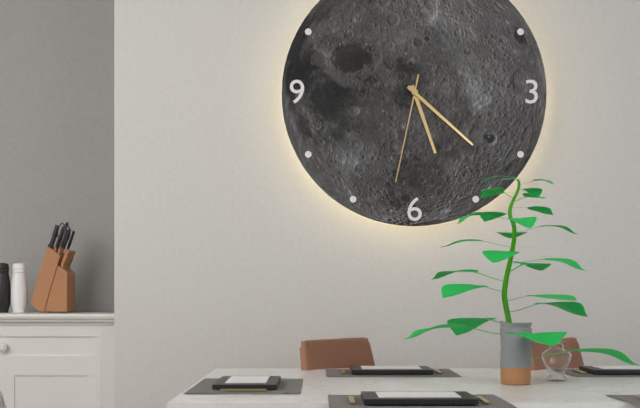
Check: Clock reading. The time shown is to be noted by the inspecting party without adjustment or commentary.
5:22:32
